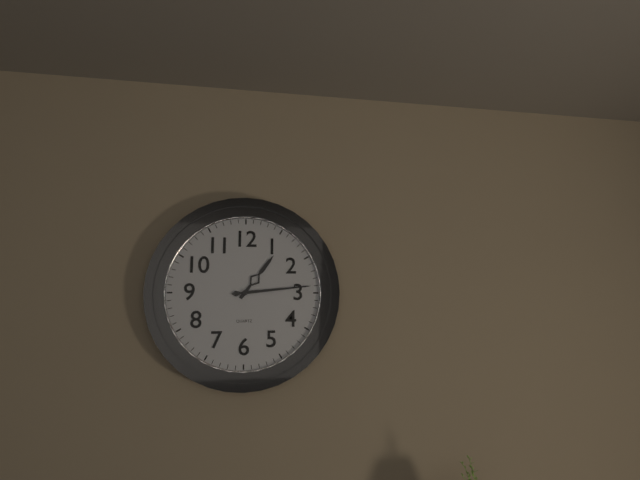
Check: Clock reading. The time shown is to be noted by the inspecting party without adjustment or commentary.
1:14
